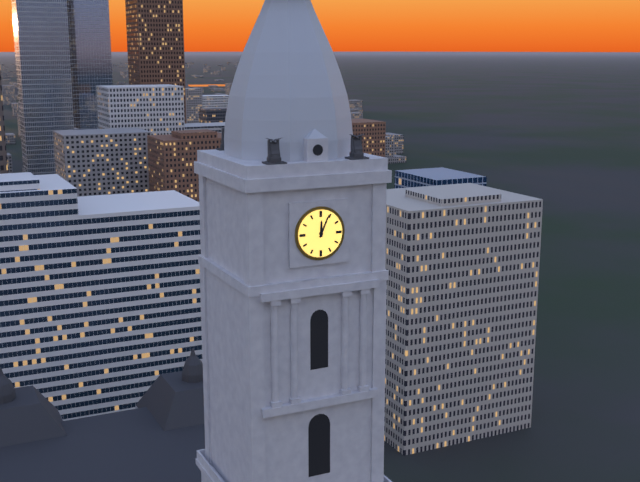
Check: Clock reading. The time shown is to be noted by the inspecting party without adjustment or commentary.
12:04
